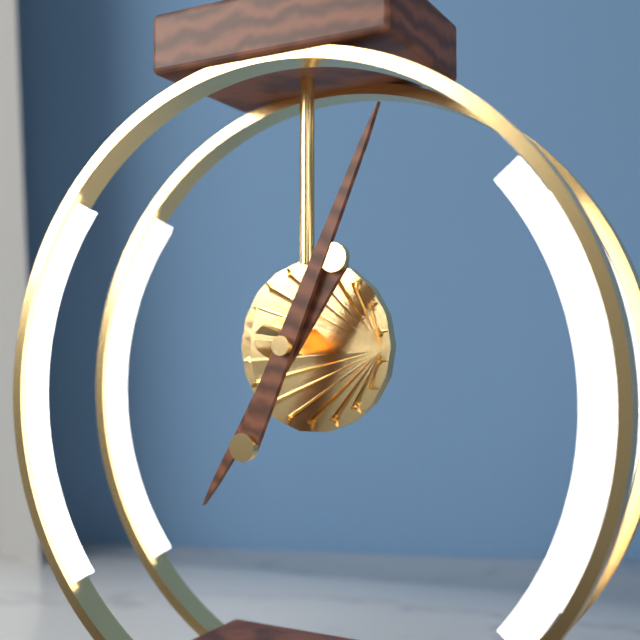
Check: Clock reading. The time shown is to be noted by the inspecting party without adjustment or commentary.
7:04
